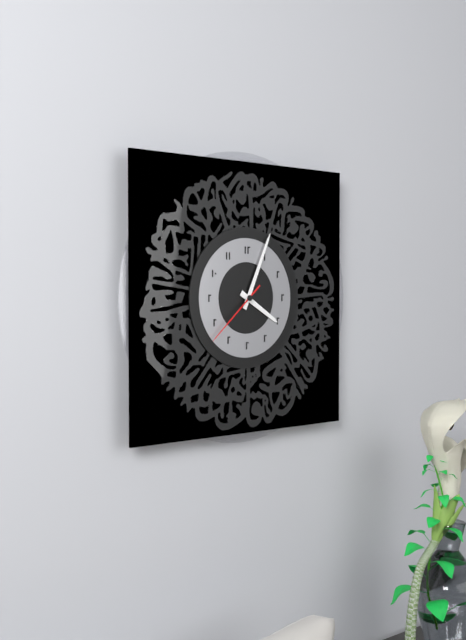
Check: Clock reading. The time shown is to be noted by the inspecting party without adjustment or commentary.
4:04:38
